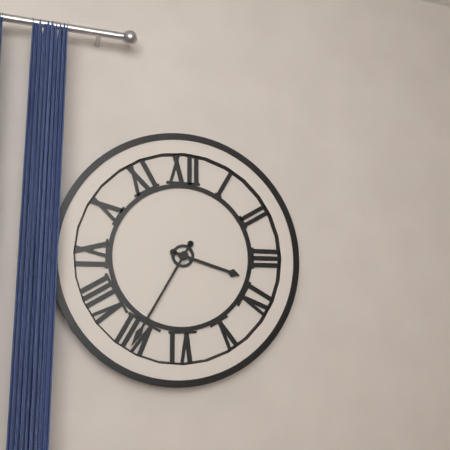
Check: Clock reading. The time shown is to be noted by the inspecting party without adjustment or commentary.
3:35
